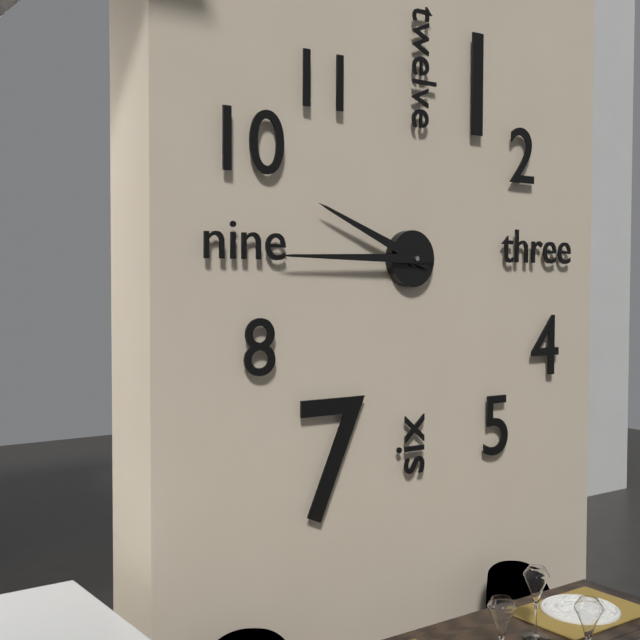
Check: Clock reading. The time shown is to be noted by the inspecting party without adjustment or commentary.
9:45
